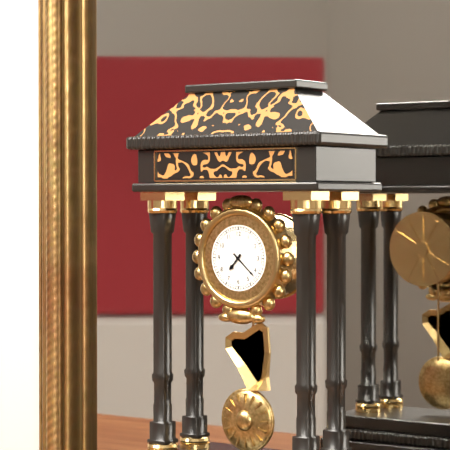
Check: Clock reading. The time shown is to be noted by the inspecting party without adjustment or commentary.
7:22
